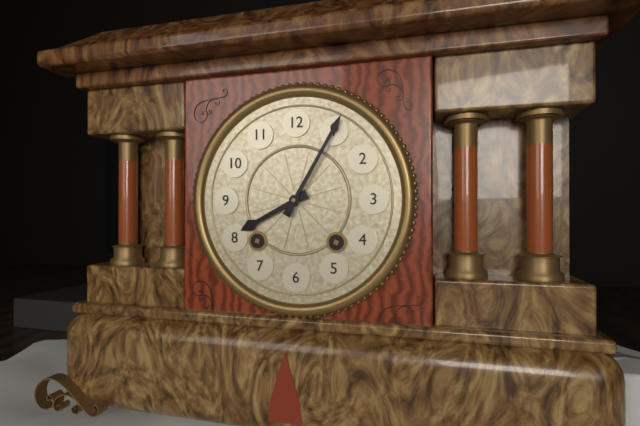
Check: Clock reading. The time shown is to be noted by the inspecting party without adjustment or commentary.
8:05
